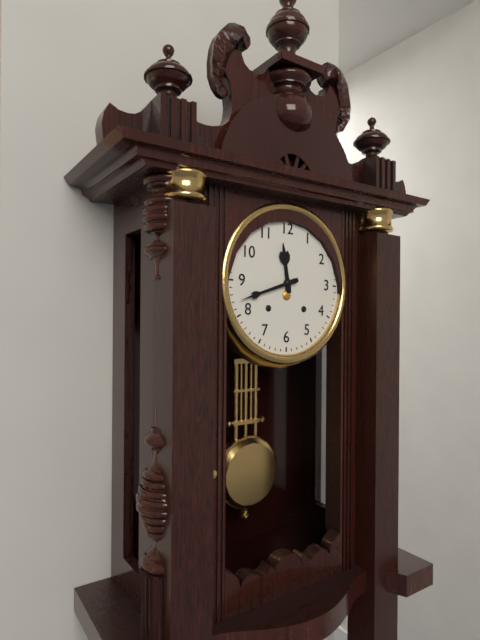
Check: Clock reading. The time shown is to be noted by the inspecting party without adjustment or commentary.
11:42
